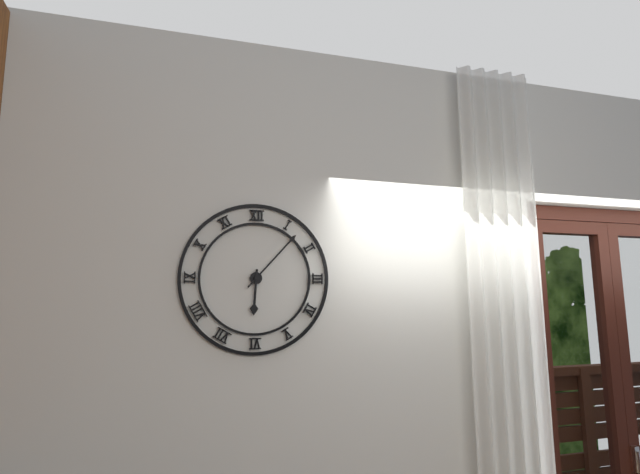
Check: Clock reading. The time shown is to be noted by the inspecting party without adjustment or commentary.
6:07
